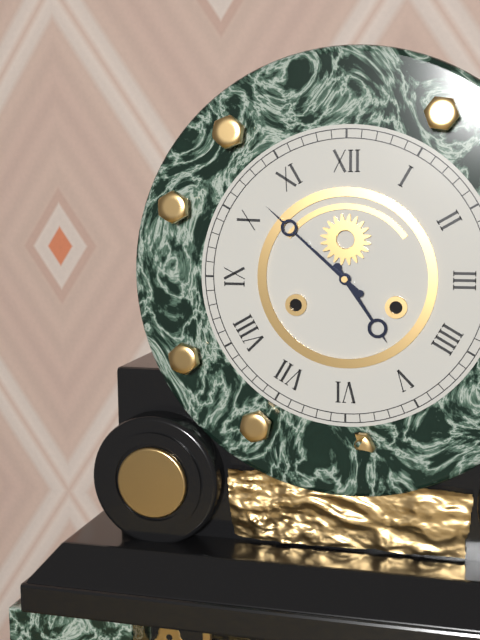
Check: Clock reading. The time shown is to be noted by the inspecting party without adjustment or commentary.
4:52
